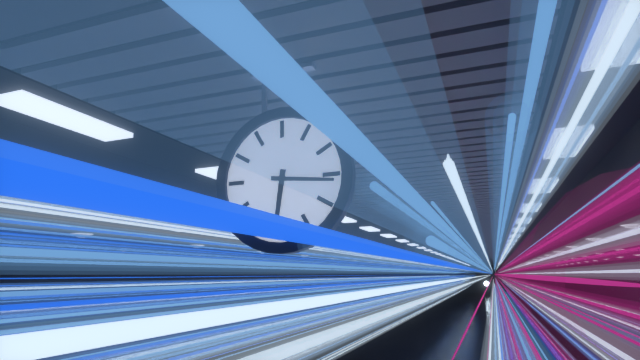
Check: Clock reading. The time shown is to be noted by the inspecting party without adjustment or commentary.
6:16
